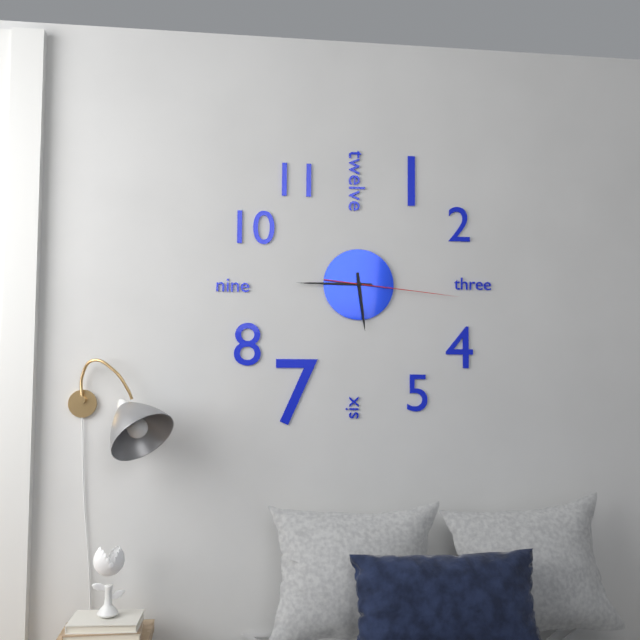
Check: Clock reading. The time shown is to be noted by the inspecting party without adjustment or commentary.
5:45:16
